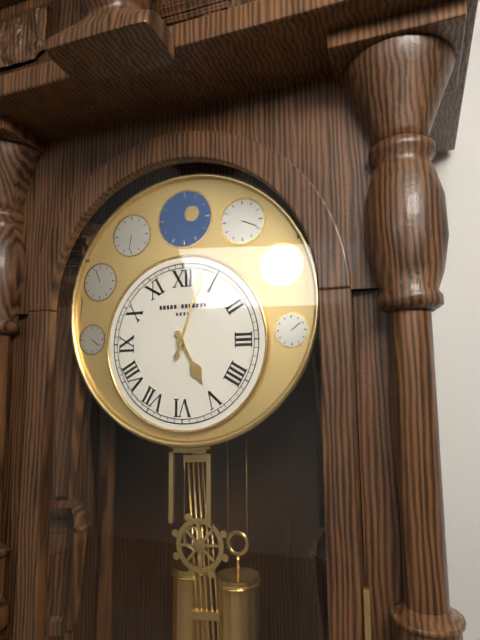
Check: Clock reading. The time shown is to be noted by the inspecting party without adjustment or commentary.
5:03
